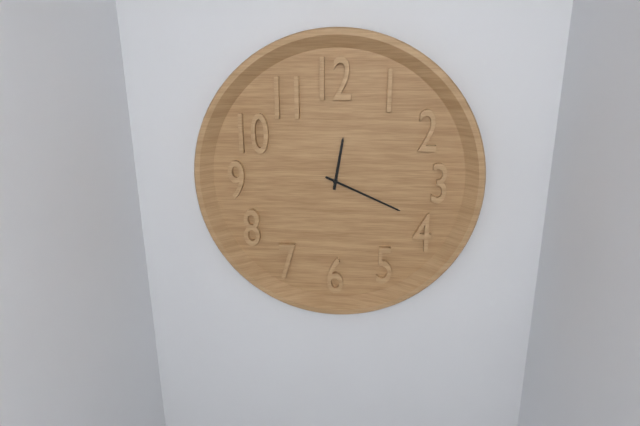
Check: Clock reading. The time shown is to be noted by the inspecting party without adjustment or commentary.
12:19
